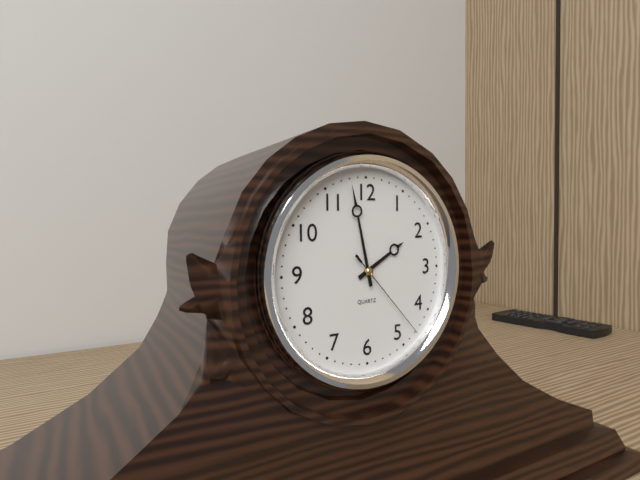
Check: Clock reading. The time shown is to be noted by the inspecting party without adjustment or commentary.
1:58:23
